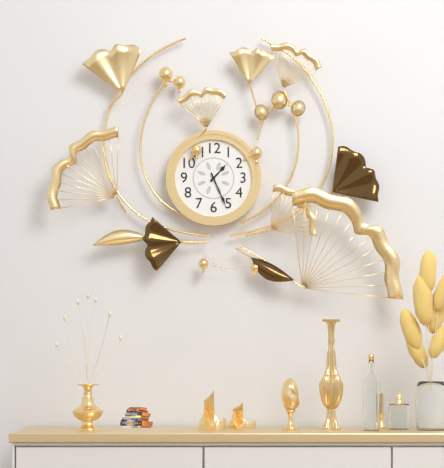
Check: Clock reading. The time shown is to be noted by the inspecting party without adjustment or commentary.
1:26
